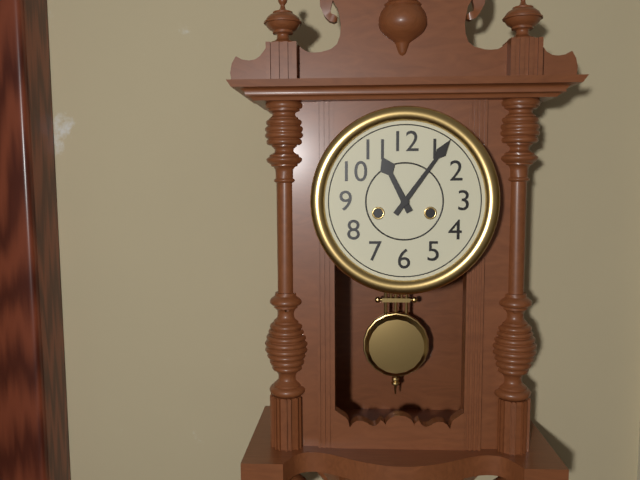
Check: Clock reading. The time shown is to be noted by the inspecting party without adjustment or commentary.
11:06
